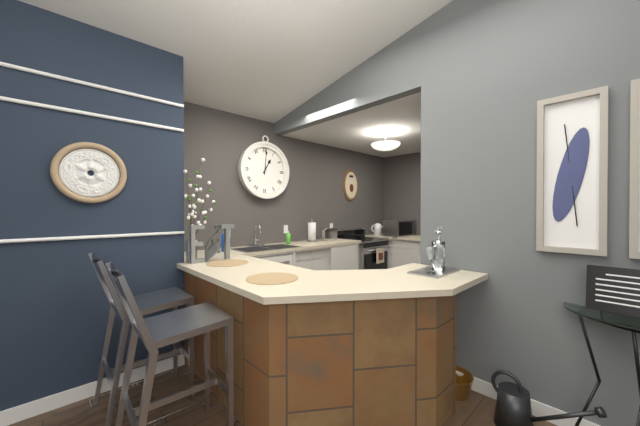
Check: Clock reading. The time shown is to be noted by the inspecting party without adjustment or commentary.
1:01
